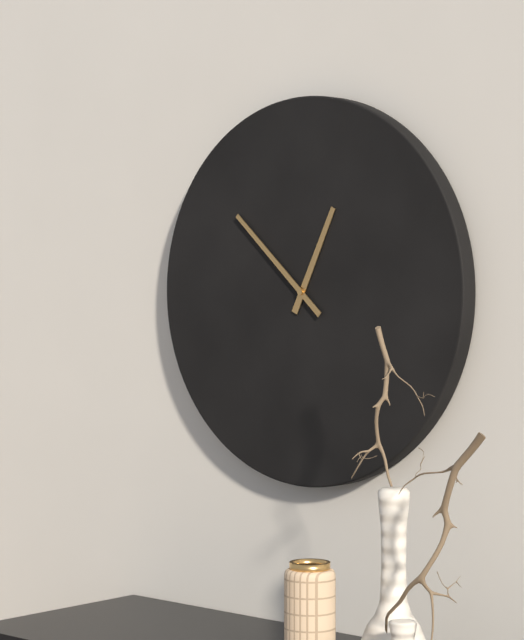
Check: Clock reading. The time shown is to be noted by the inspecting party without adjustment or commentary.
12:52
